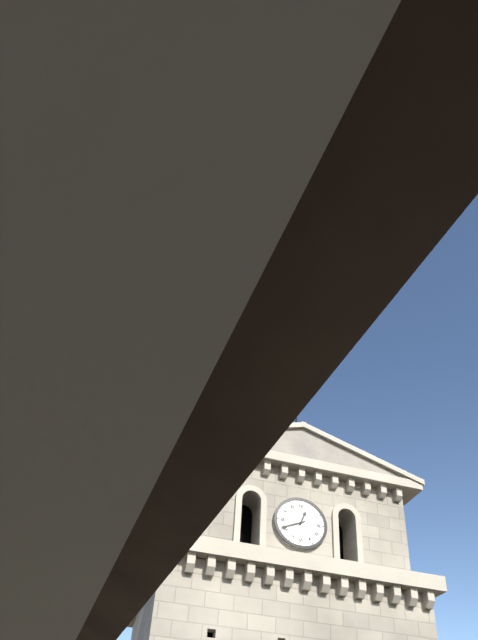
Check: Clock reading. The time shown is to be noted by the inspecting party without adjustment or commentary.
12:41
